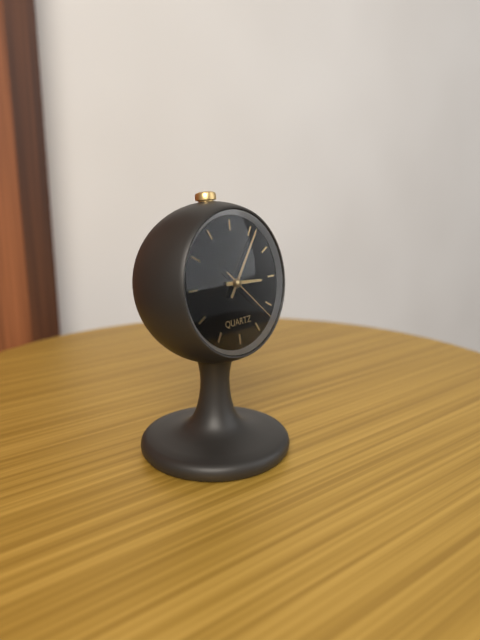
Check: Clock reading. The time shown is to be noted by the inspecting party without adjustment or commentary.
3:06:22
